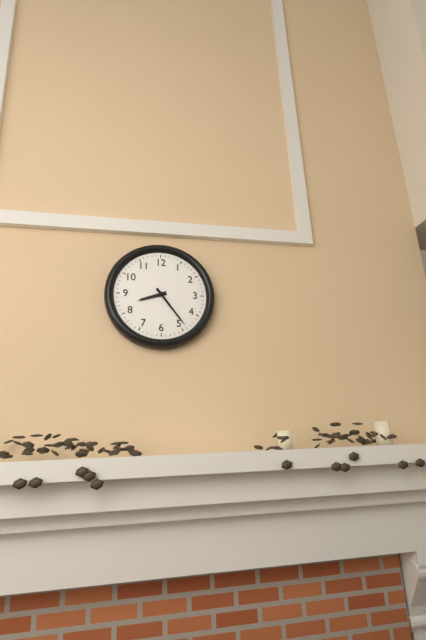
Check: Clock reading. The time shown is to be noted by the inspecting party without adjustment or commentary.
8:24
